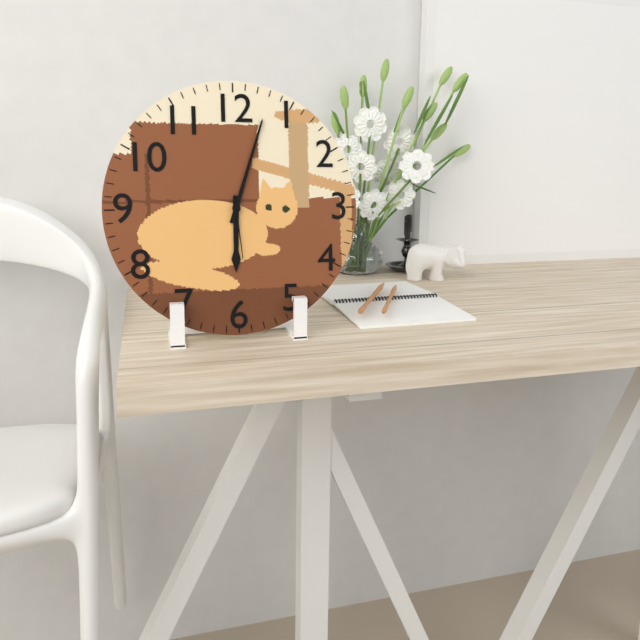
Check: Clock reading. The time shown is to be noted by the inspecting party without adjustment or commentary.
6:03:29
